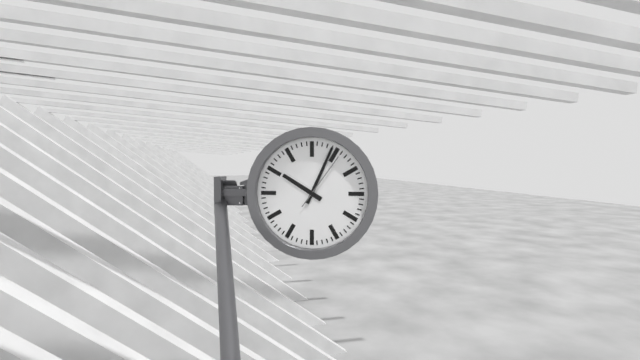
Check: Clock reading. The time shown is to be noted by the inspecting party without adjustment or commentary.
10:04:06
